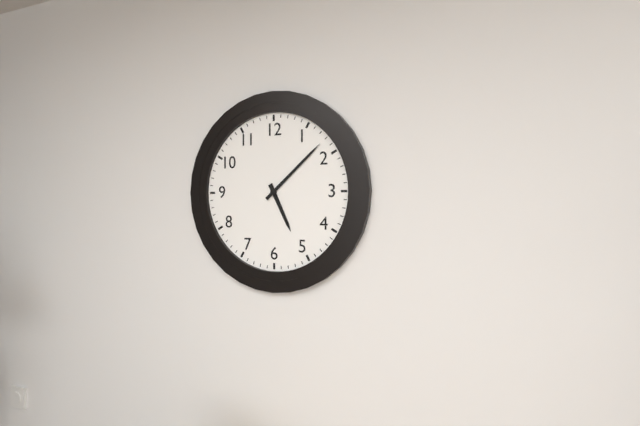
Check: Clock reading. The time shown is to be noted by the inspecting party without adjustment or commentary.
5:08
